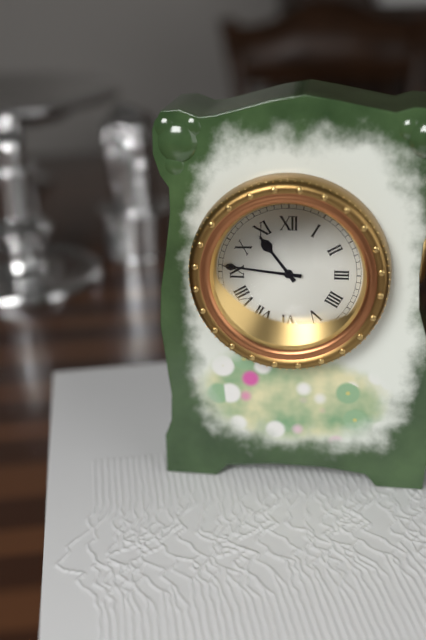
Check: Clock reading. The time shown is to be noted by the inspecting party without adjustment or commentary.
10:46
